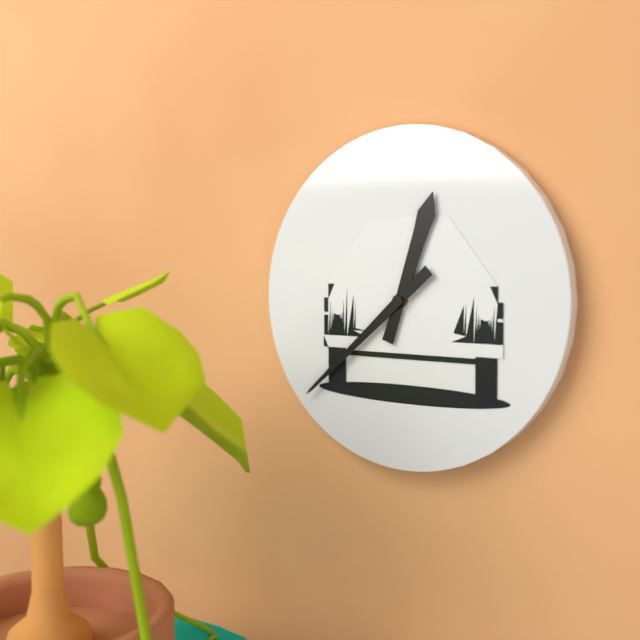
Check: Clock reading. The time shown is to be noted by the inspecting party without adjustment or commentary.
12:38
